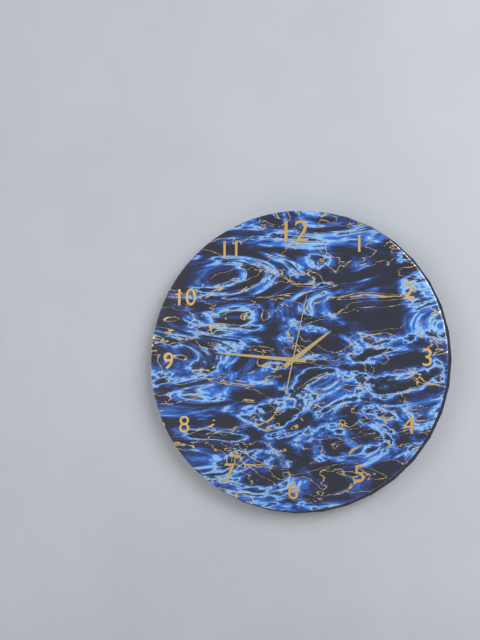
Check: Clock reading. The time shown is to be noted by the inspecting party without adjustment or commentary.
1:46:02
